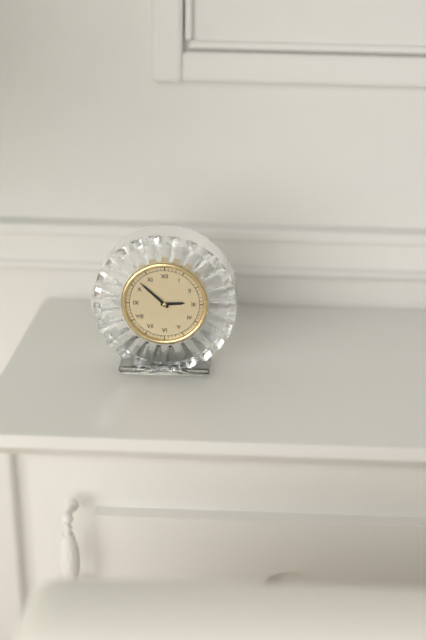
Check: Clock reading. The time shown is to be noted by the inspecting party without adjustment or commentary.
2:52
